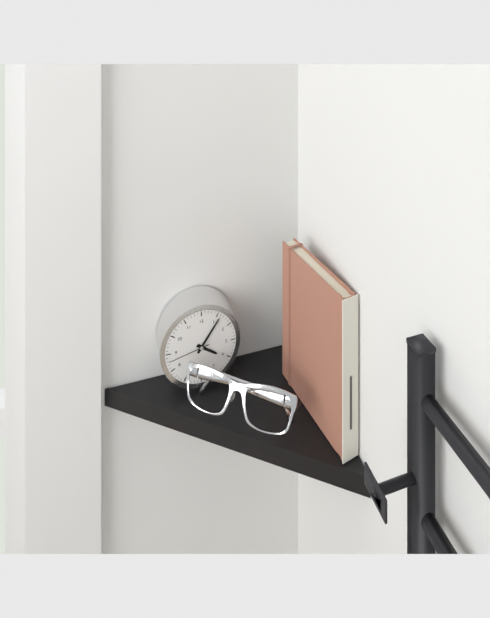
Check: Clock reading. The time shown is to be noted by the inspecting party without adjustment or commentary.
4:06
